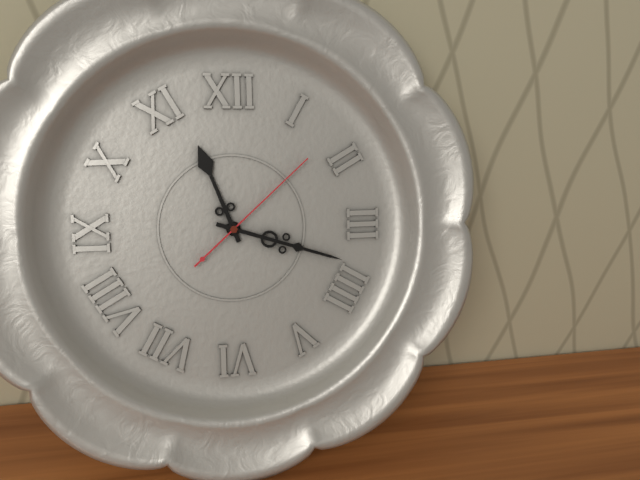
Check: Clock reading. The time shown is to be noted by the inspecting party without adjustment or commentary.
11:18:08
